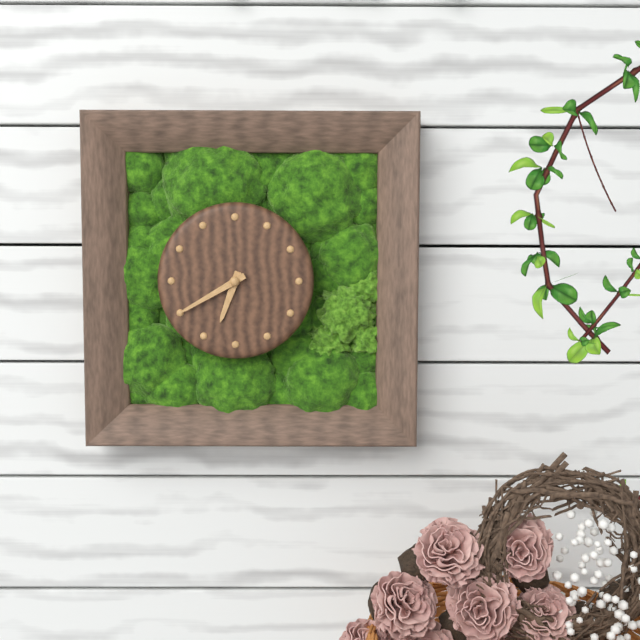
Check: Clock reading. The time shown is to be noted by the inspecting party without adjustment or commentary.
6:40
